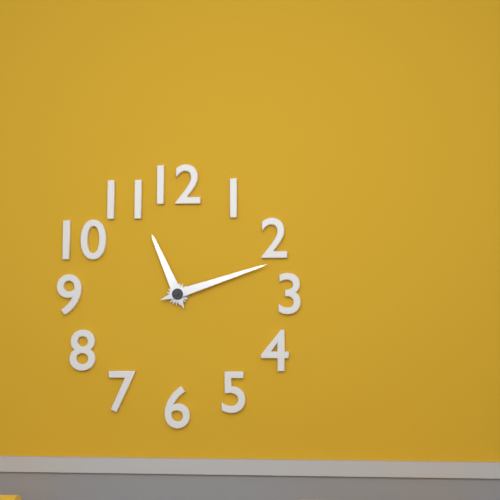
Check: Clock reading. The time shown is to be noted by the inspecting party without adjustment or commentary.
11:12
